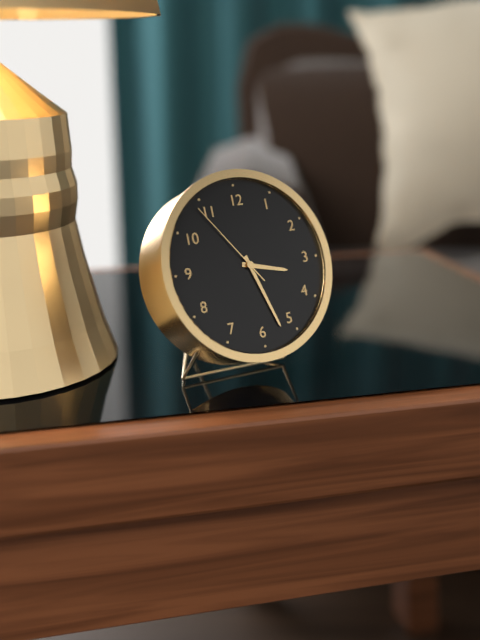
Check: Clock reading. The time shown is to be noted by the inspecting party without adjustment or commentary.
3:27:54
